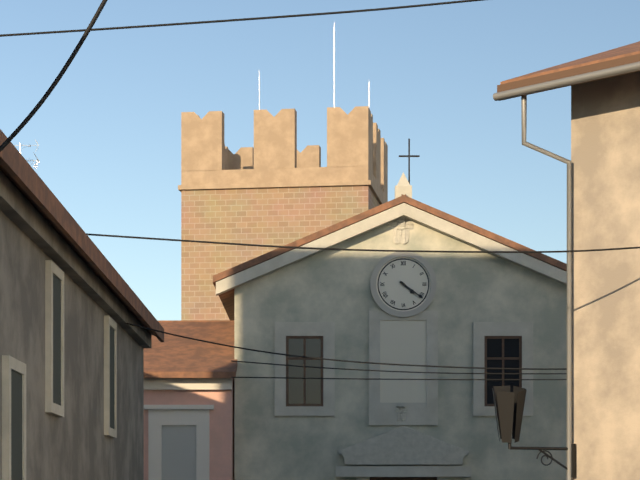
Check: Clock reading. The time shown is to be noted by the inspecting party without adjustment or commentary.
4:21
